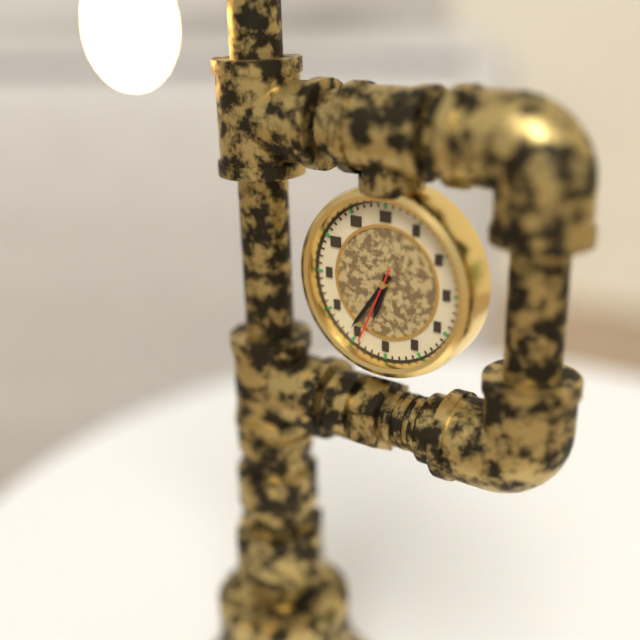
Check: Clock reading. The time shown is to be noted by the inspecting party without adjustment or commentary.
6:36:34
